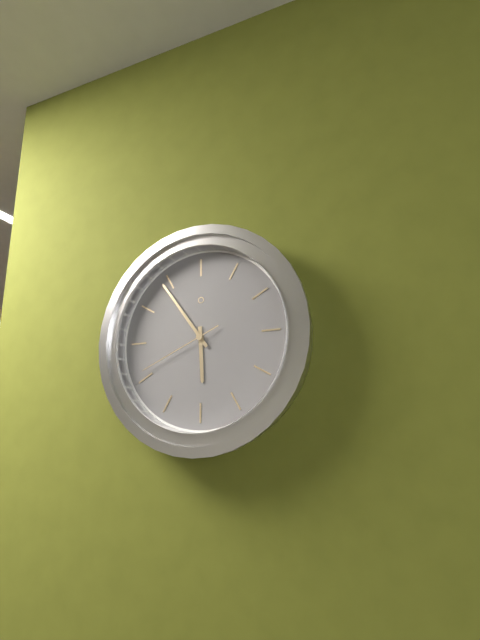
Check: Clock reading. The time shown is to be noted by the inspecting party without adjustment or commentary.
5:54:41
